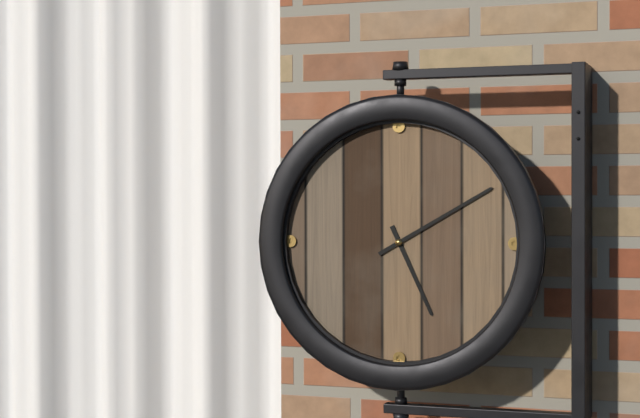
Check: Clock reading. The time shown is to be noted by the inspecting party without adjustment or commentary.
5:10
